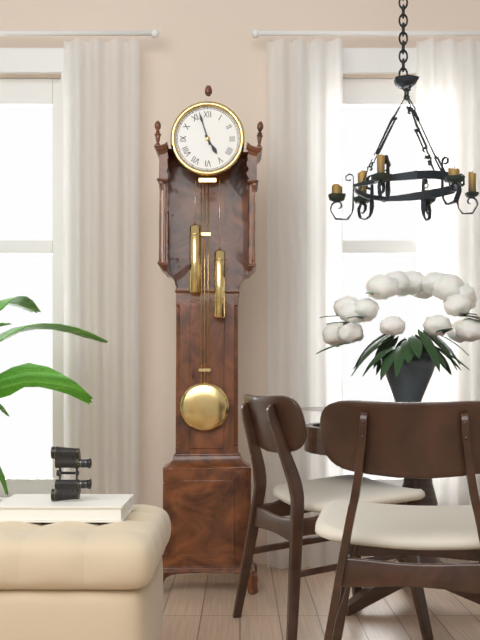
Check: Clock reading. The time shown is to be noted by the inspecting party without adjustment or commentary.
4:57
